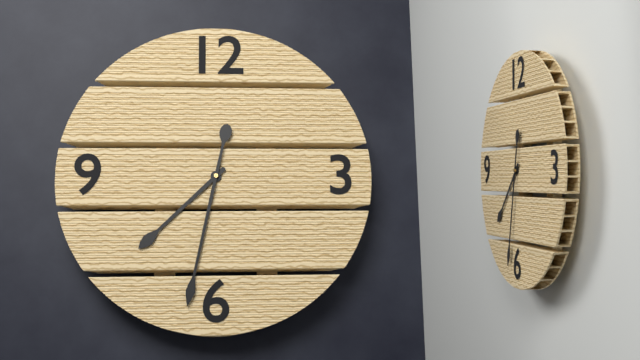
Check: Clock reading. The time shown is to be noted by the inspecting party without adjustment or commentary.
7:32
